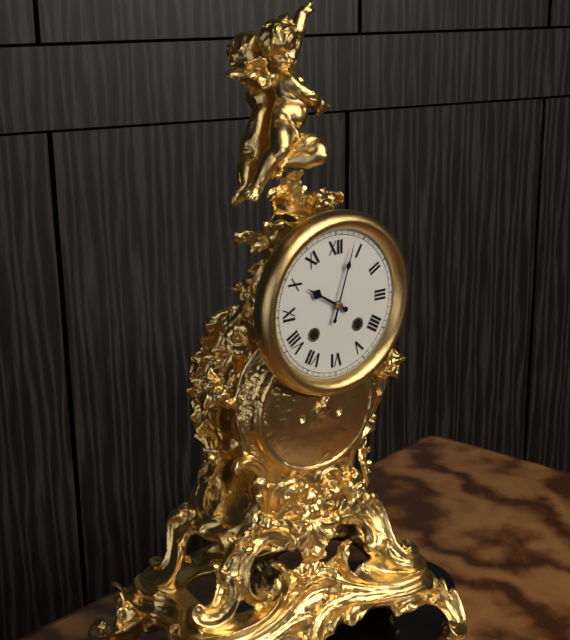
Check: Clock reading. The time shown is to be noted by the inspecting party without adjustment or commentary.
10:03
